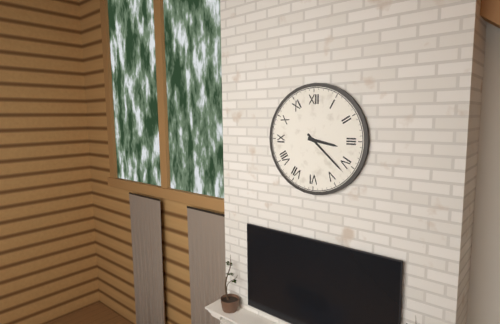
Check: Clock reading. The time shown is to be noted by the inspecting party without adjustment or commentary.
3:22
